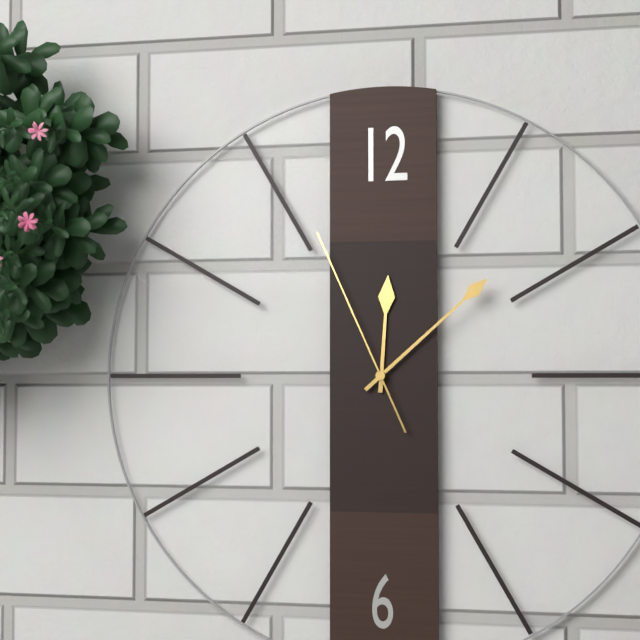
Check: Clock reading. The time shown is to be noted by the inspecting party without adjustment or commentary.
12:08:56
